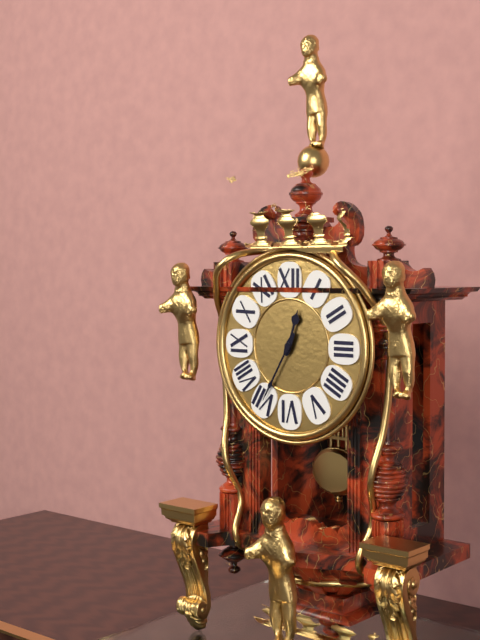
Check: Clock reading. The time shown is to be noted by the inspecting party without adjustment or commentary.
12:35
